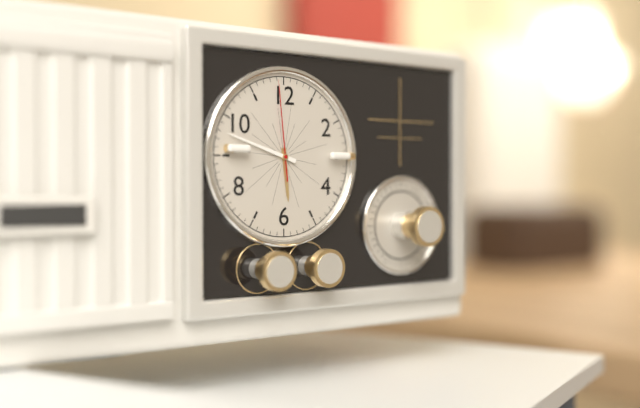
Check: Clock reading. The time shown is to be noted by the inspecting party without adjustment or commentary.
5:48:59
